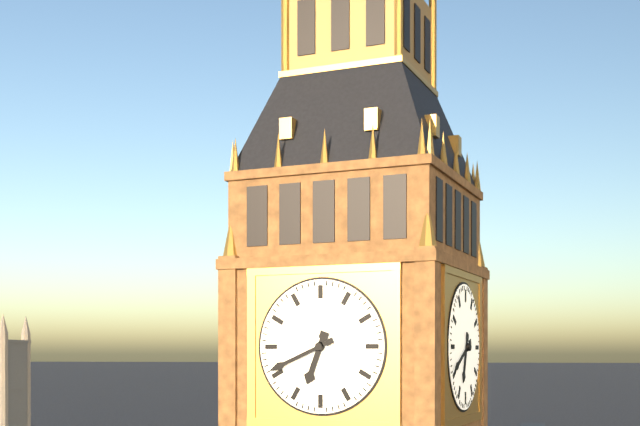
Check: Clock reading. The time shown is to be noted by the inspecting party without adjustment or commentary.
6:41
